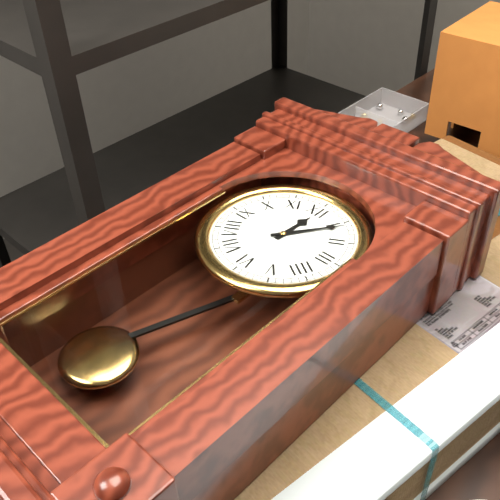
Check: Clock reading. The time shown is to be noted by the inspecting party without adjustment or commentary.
12:06
